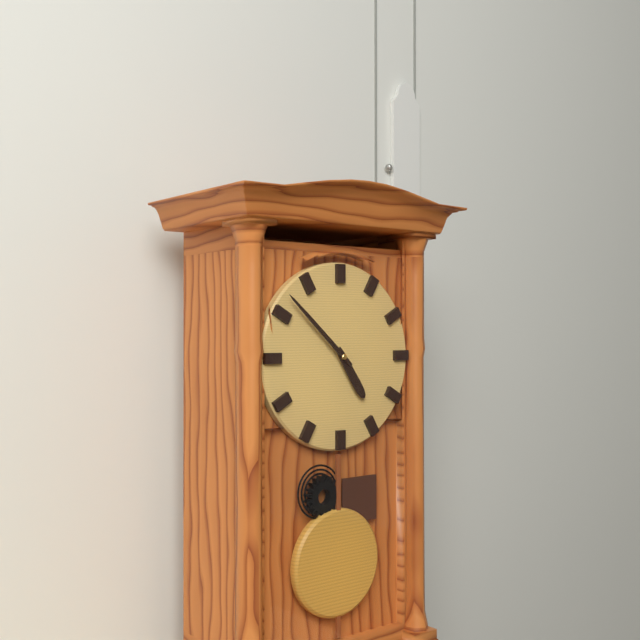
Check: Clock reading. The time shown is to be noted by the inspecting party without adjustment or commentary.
4:52
